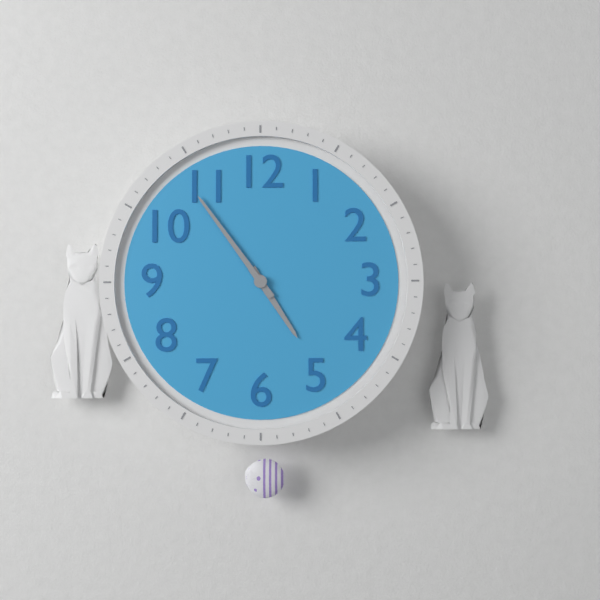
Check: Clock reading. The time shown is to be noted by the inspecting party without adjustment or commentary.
4:54
